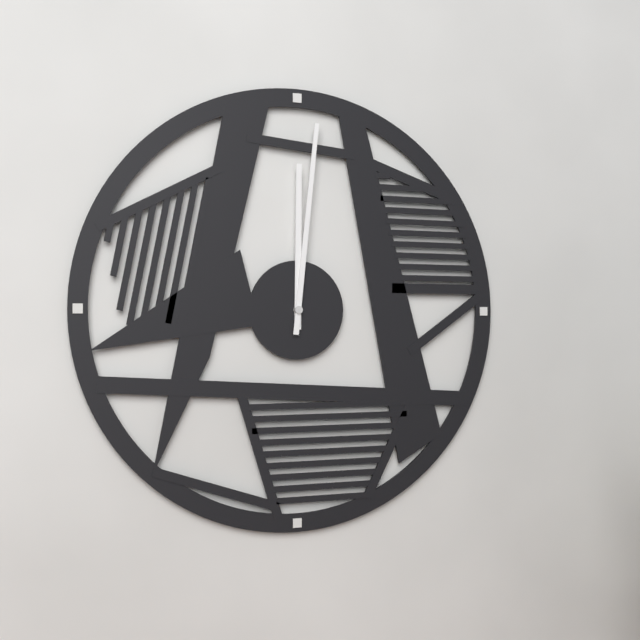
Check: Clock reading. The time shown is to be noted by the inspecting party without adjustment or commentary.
12:01
